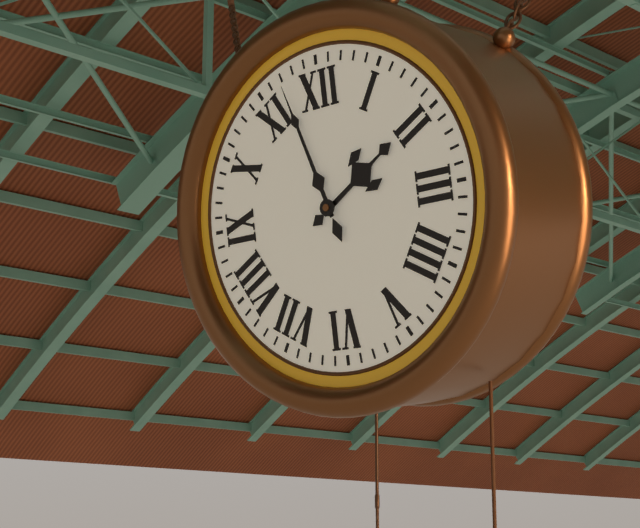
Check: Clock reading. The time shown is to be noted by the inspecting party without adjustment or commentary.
1:57
